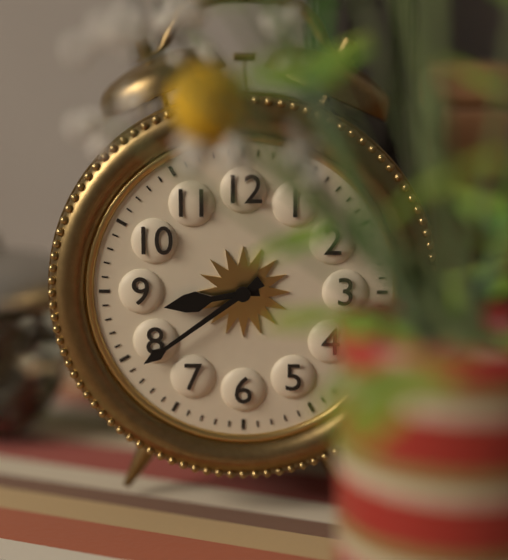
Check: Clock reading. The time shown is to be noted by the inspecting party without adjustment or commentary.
8:39
